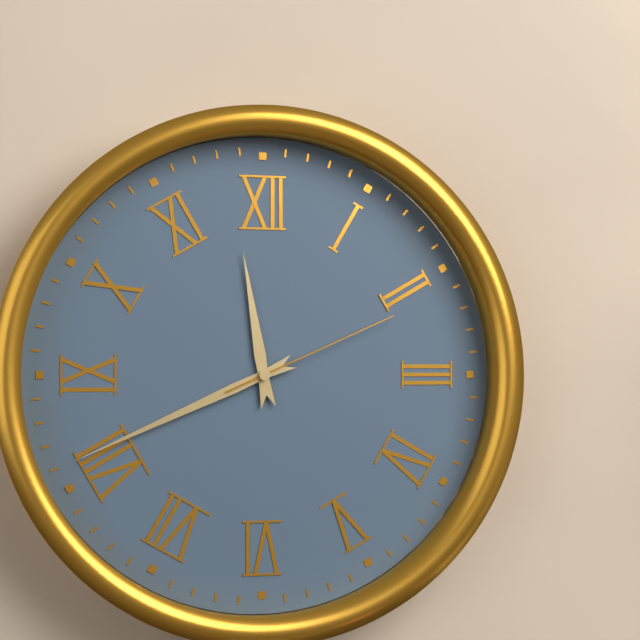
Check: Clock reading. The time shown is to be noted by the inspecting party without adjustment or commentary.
11:41:11
